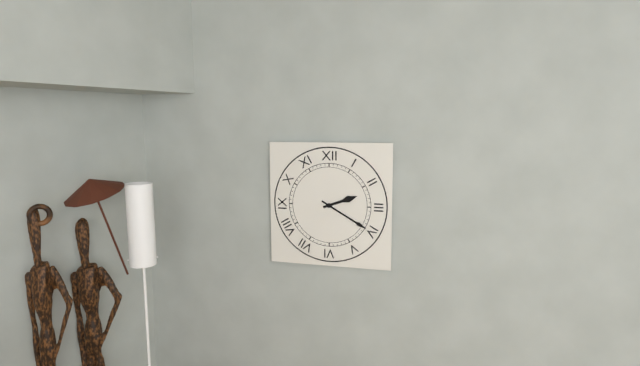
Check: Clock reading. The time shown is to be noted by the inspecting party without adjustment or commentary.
2:20
